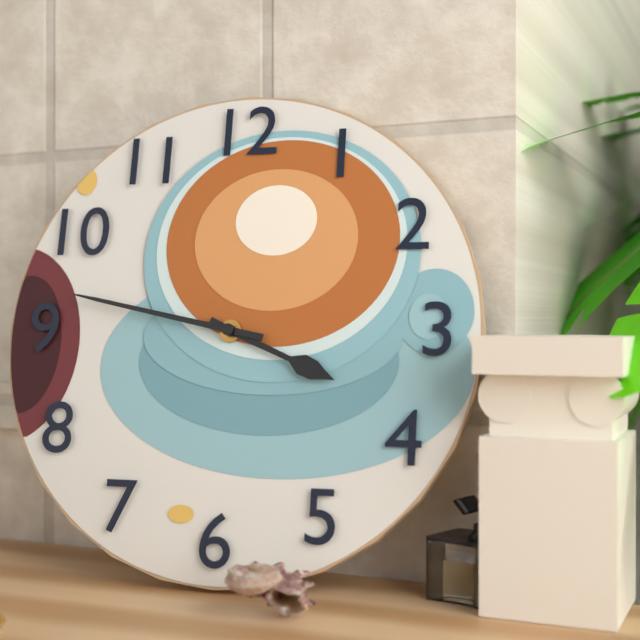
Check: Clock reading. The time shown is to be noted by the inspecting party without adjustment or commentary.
3:47
